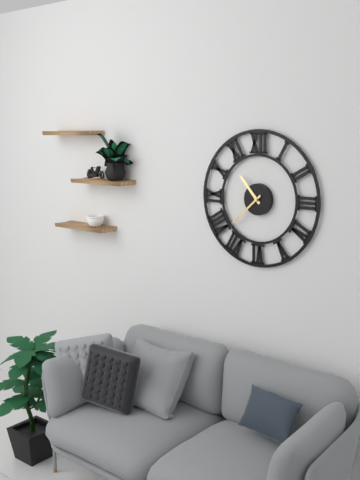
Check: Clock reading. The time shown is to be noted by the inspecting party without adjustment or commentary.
10:38
